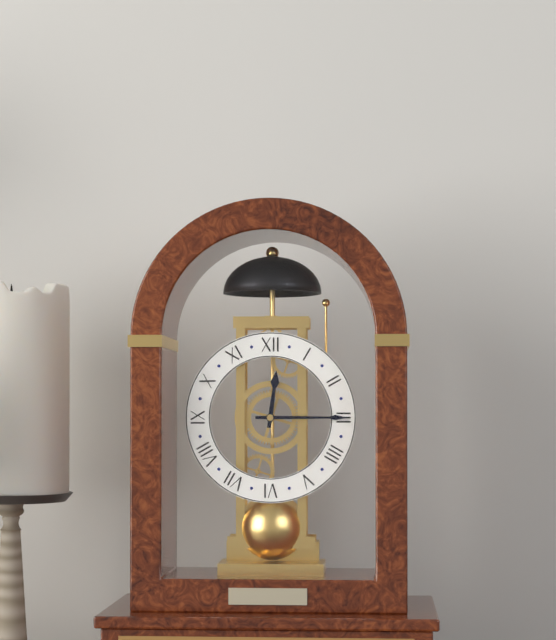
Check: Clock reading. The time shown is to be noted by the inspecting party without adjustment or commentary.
12:15
